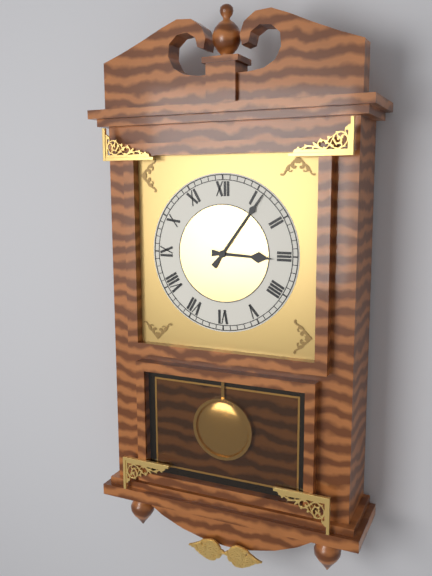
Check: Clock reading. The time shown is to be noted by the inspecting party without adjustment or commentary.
3:06
